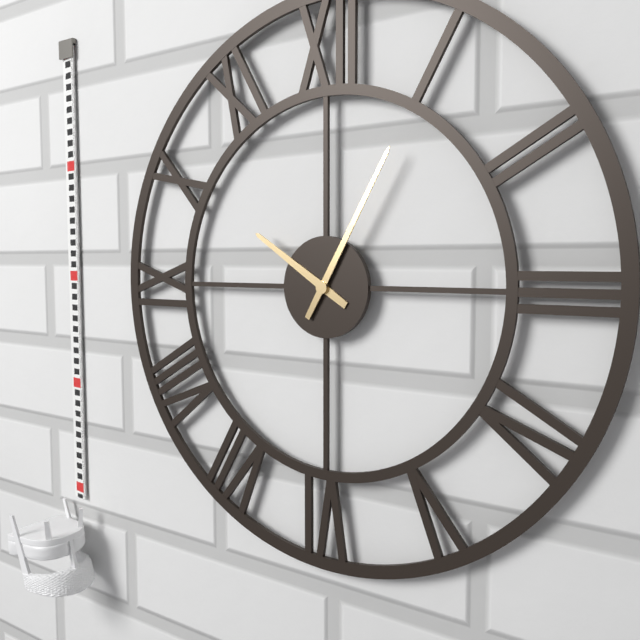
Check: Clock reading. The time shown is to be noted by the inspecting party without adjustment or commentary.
10:05
